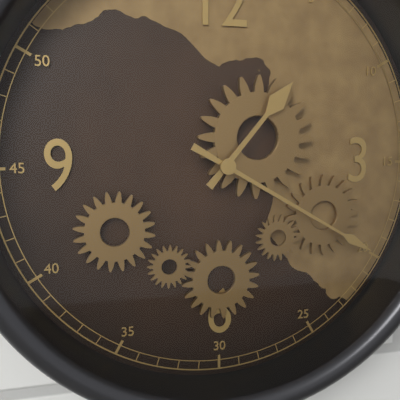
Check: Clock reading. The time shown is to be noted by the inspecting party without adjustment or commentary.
1:20
